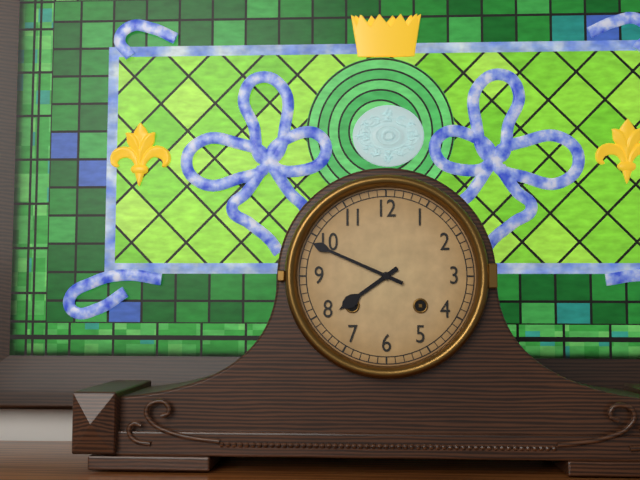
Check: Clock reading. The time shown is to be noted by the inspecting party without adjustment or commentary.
7:49
